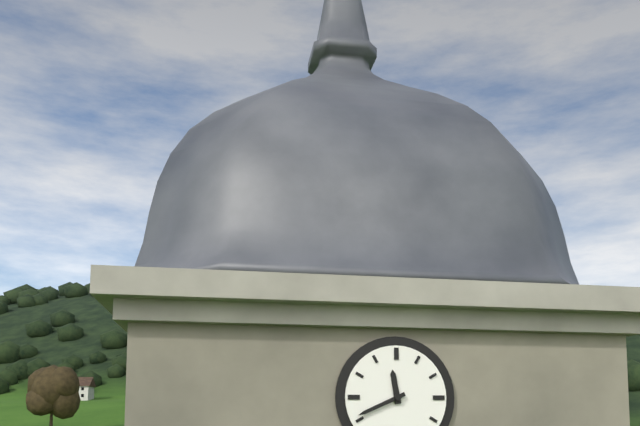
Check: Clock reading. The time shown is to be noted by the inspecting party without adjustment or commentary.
11:41
